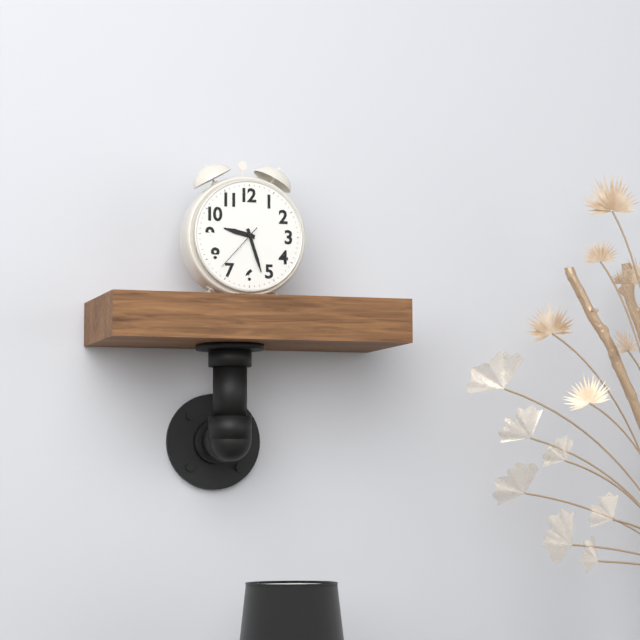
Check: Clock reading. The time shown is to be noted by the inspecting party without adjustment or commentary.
9:27:37
